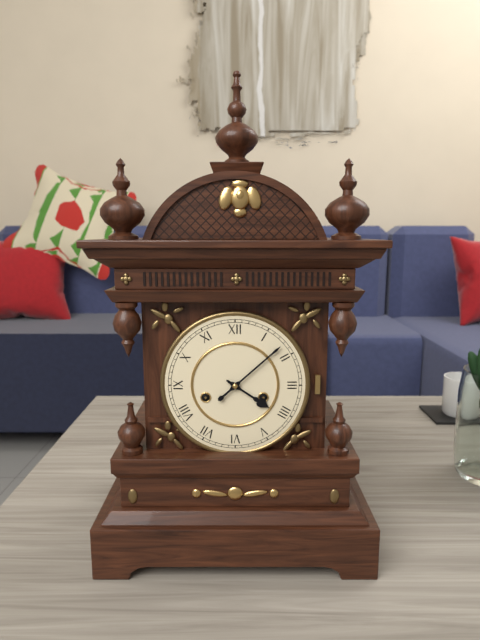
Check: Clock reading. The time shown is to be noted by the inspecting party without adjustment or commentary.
4:08
